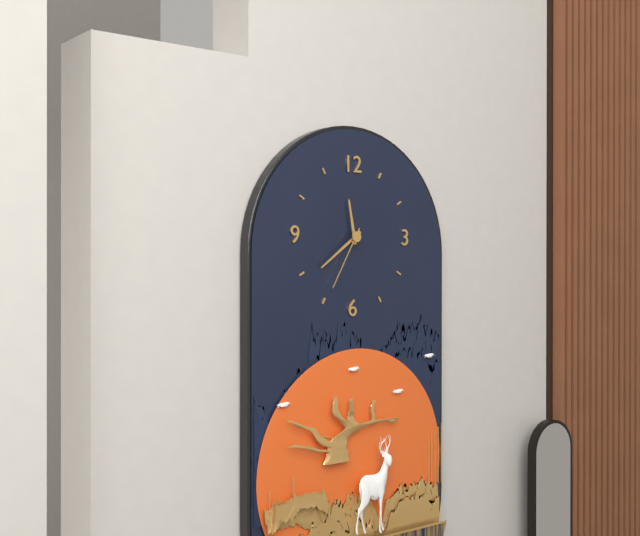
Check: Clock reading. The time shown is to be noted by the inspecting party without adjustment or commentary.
11:39:35
